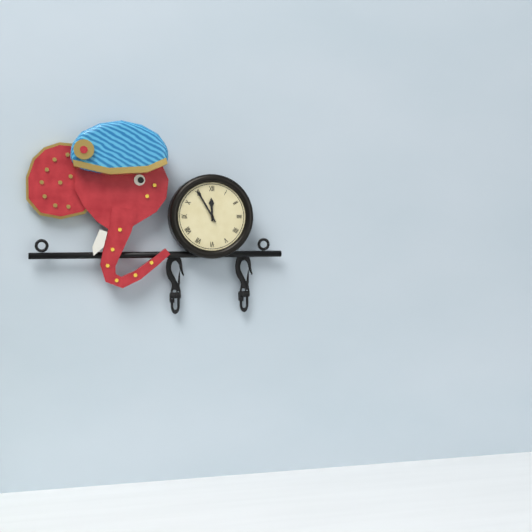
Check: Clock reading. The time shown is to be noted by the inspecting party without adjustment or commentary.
11:55
